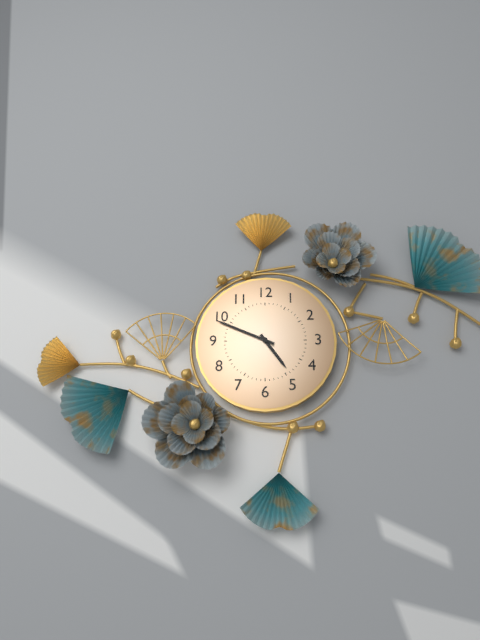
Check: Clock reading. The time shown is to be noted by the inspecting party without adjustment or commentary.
4:49
